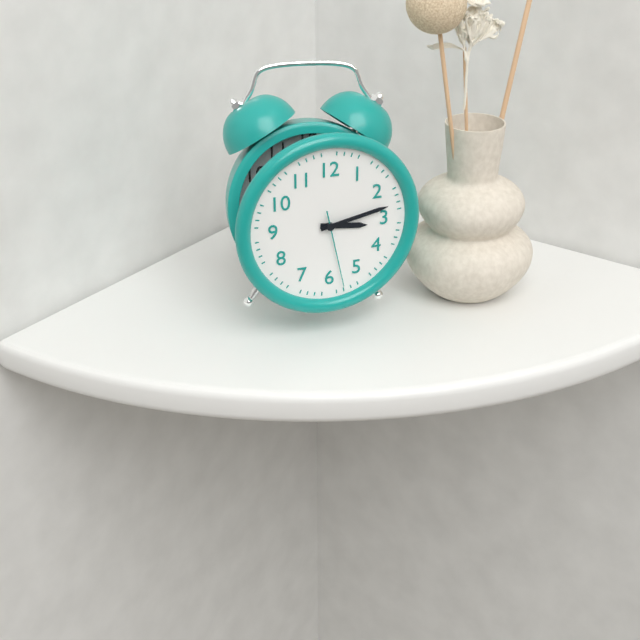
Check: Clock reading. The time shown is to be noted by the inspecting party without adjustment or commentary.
3:13:28
